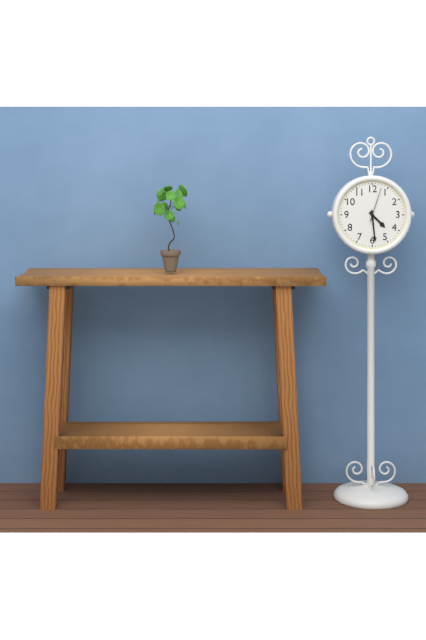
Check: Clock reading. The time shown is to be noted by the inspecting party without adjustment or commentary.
4:29
